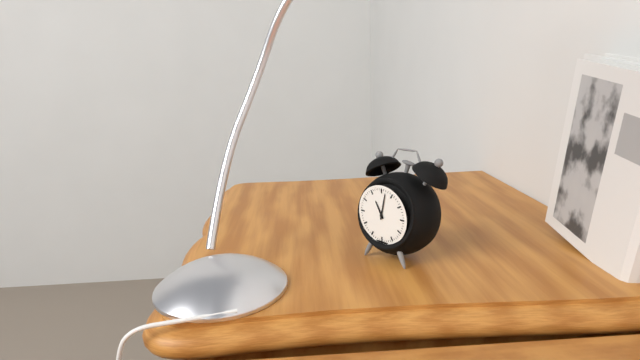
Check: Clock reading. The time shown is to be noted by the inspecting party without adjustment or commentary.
11:02
